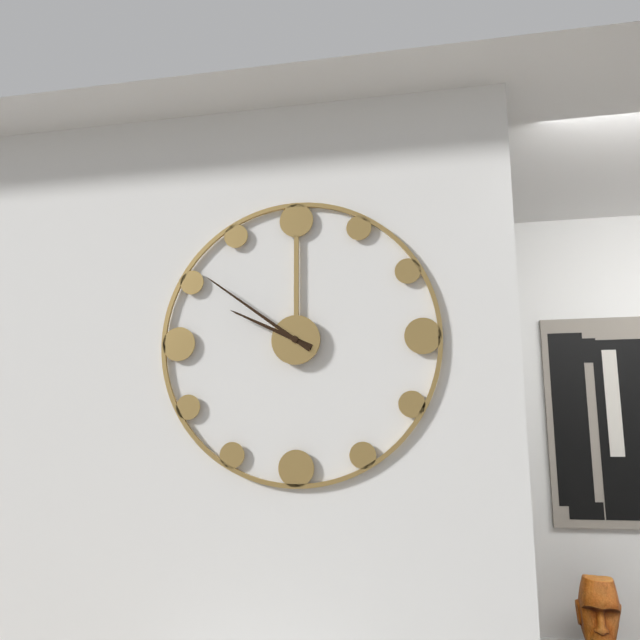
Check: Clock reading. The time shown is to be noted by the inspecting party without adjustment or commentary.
9:51
